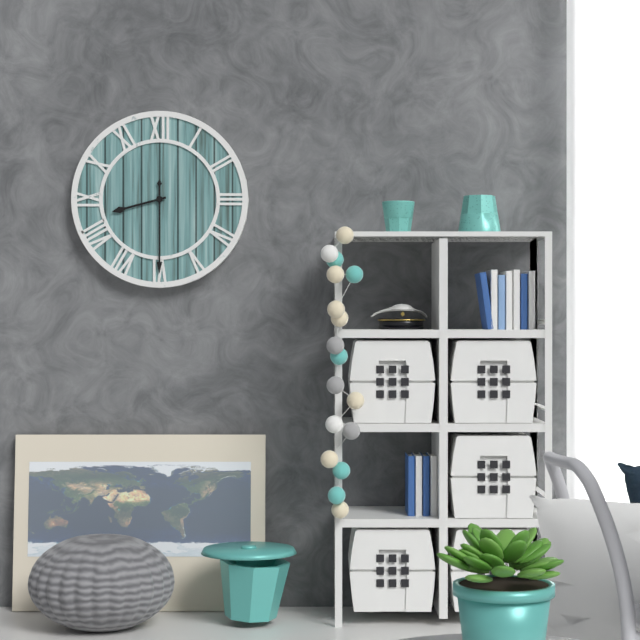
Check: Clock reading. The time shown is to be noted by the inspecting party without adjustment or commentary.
8:30
